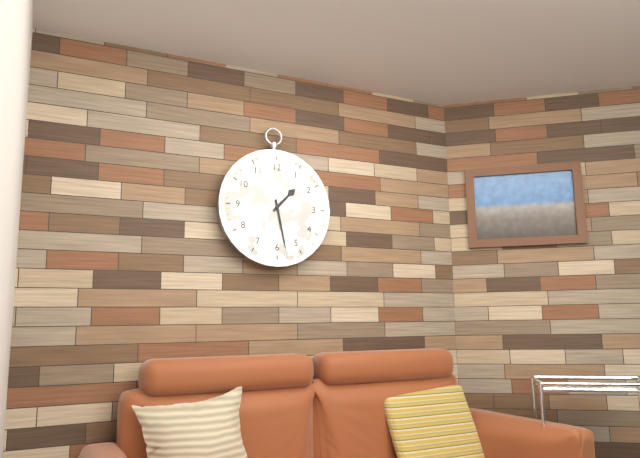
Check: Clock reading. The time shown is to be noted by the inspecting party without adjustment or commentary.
1:28
